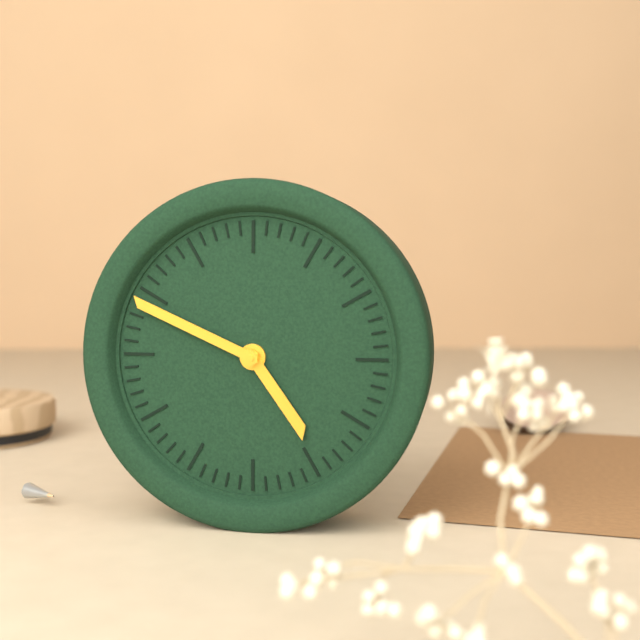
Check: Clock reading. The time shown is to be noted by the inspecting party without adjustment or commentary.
4:49
